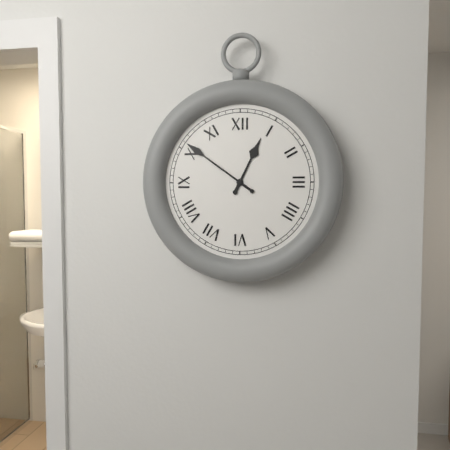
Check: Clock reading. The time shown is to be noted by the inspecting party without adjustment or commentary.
12:51
